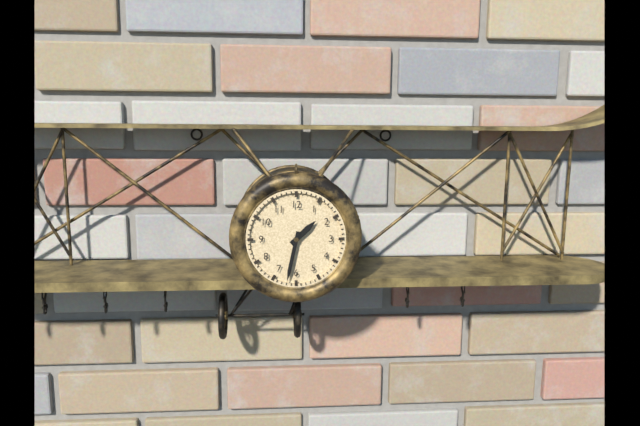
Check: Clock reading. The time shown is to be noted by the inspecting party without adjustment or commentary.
1:32
